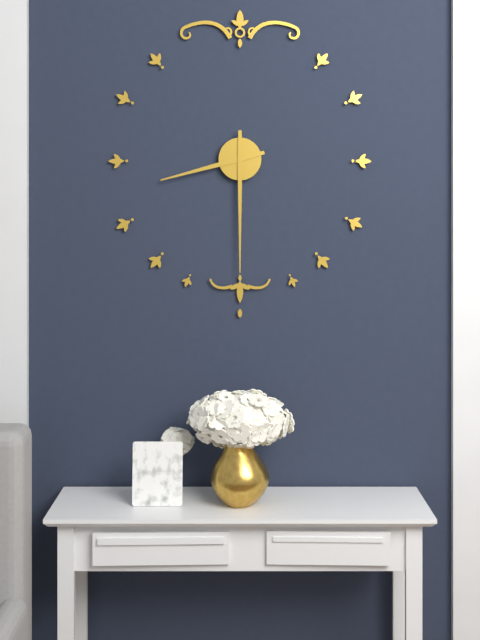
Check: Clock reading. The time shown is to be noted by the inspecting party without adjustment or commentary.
8:30
